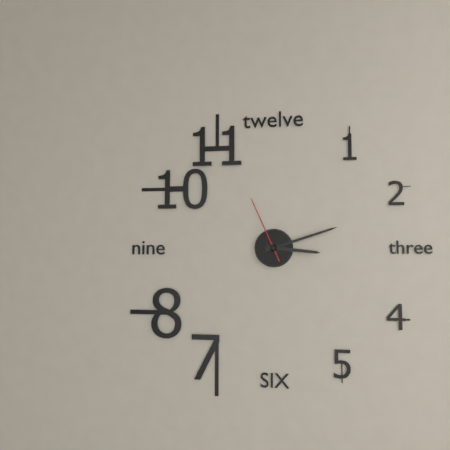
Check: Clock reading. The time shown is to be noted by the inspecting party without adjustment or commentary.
3:12:56
